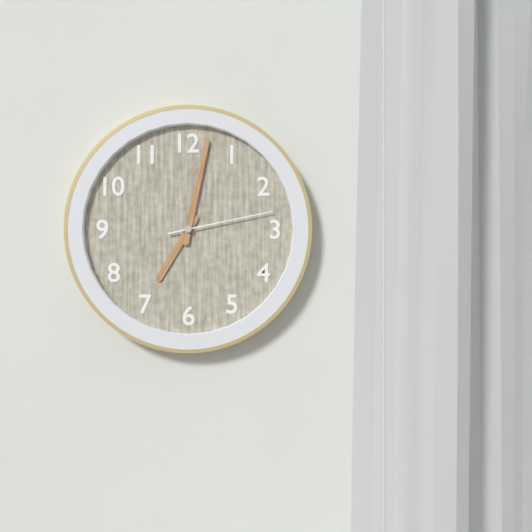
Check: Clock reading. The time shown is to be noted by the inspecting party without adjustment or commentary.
7:02:13
